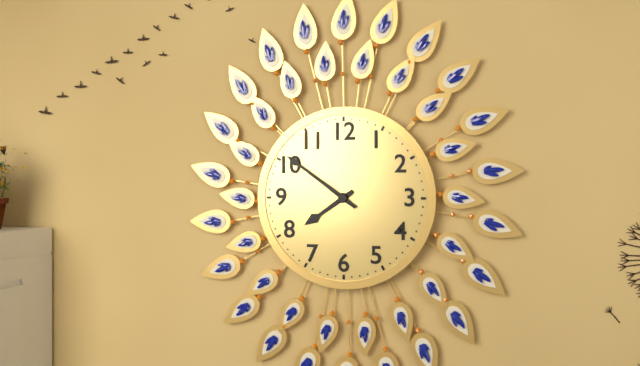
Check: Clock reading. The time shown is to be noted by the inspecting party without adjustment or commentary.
7:51
